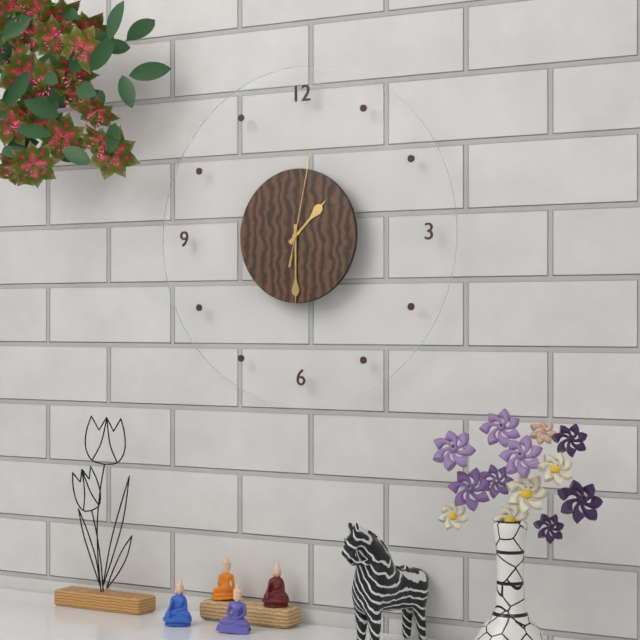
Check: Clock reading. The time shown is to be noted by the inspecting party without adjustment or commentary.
1:30:02
